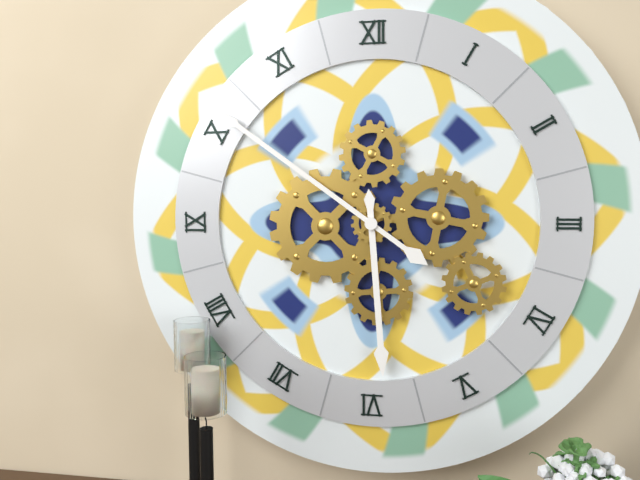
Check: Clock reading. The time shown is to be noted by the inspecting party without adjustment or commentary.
5:51
